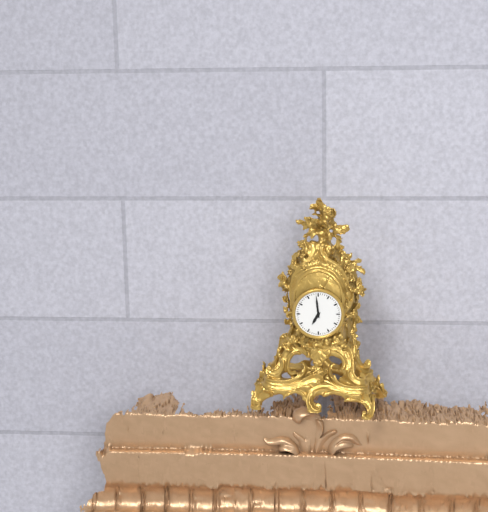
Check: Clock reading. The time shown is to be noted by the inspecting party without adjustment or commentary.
6:59
